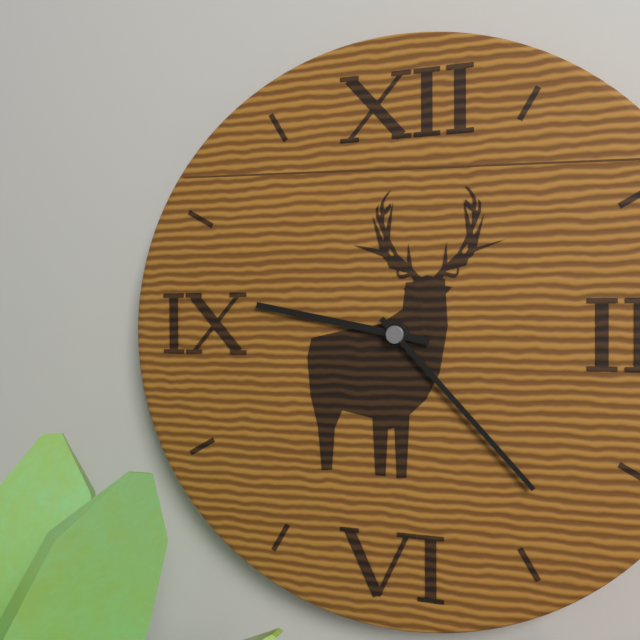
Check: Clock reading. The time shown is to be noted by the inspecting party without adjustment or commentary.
9:23
